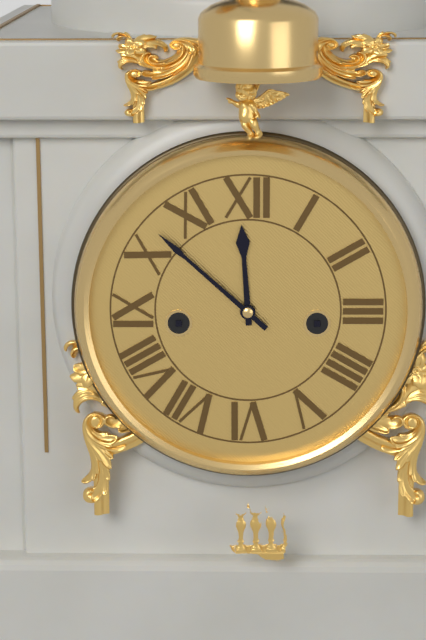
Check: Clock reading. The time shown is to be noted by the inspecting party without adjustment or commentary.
11:52
